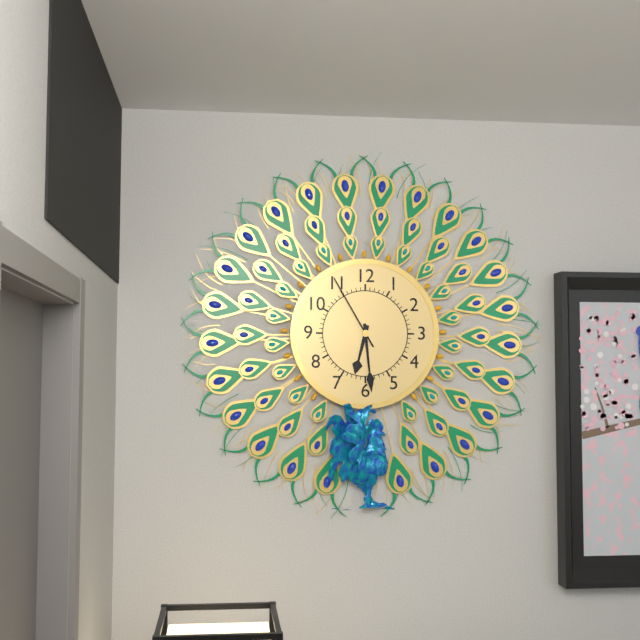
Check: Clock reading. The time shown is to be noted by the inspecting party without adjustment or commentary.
6:29:55
